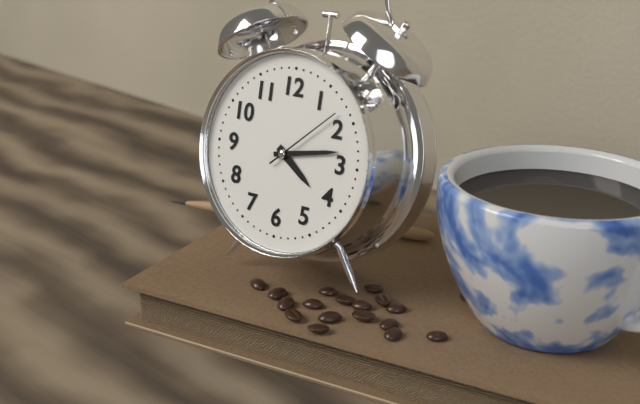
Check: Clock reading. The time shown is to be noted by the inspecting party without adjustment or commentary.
4:13:08
